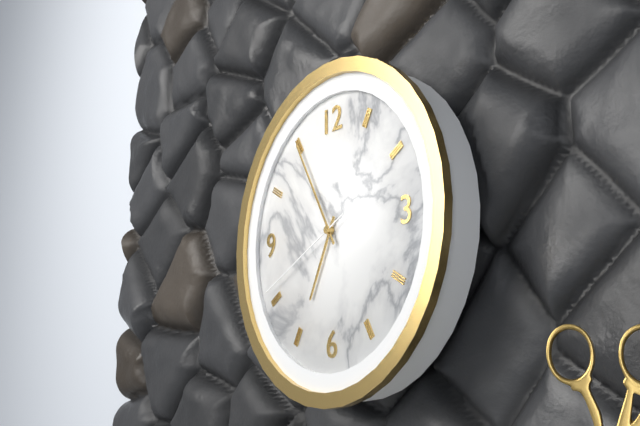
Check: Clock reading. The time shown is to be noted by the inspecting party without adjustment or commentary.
6:55:41
